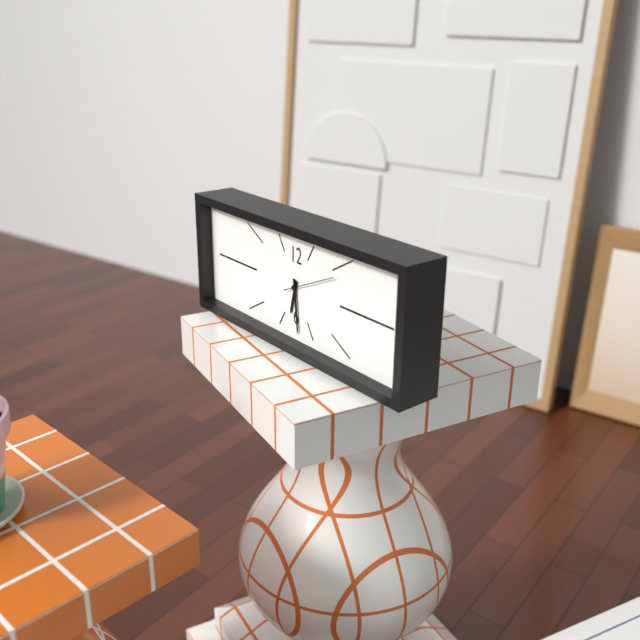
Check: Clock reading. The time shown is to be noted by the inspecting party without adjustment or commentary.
6:29:11
